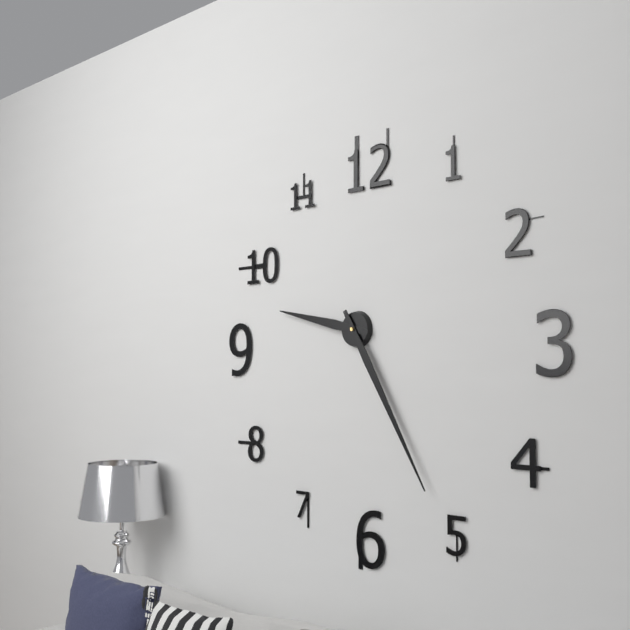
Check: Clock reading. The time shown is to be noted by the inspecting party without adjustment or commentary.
9:25
